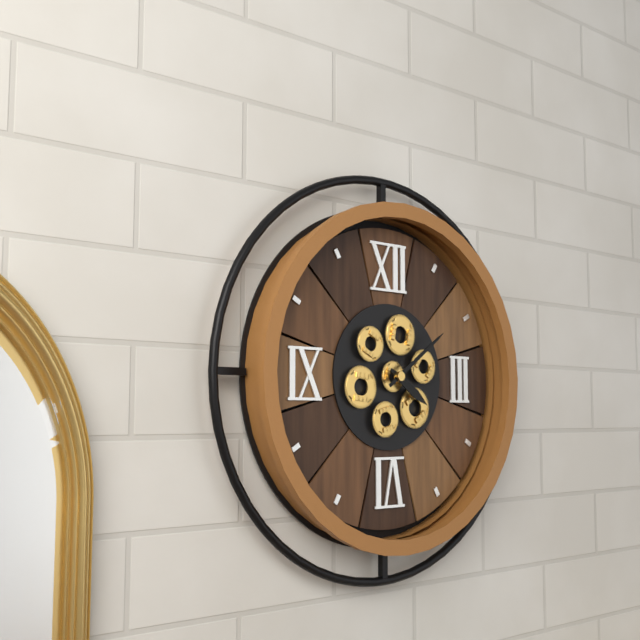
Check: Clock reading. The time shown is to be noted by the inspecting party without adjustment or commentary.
4:09
